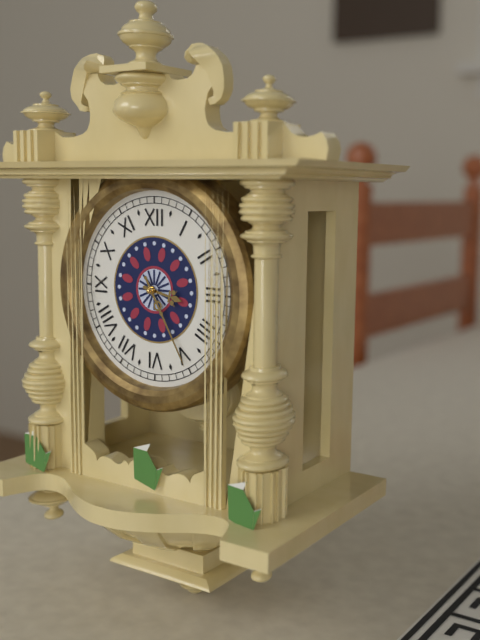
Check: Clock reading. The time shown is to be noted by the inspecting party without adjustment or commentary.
3:25
